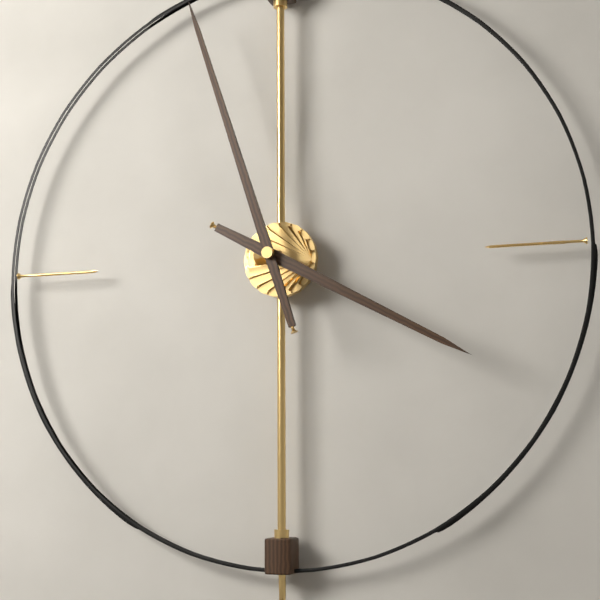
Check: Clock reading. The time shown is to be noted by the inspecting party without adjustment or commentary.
3:57
